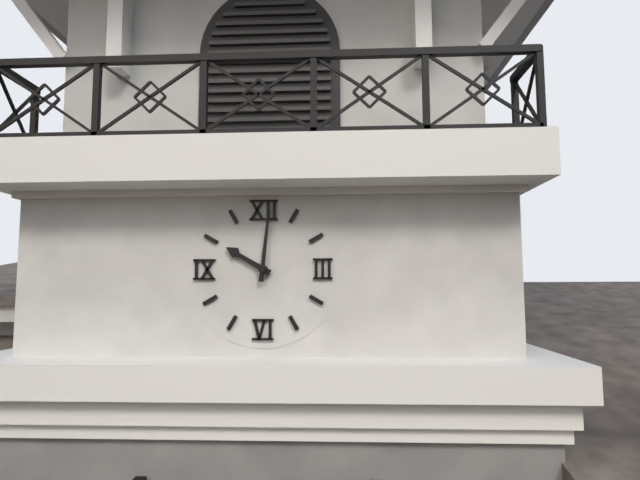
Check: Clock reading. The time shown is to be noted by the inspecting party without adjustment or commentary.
10:01
